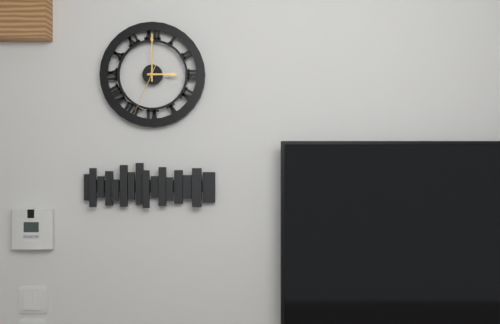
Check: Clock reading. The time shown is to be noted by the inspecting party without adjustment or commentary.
3:00:34
